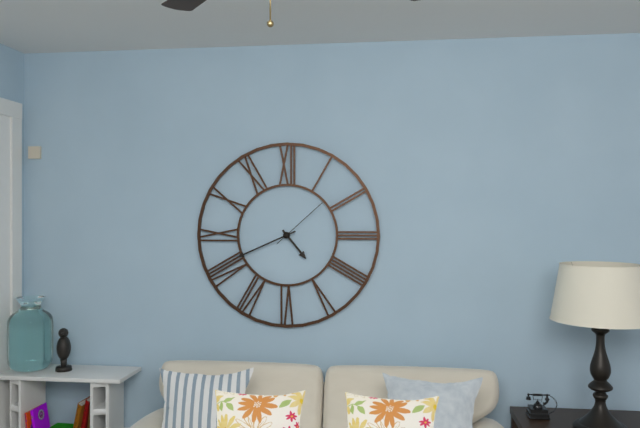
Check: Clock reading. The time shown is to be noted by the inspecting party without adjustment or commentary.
4:41:08
